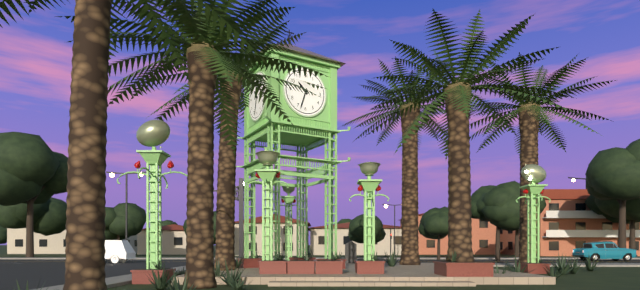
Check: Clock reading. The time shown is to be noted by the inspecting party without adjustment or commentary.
10:33
